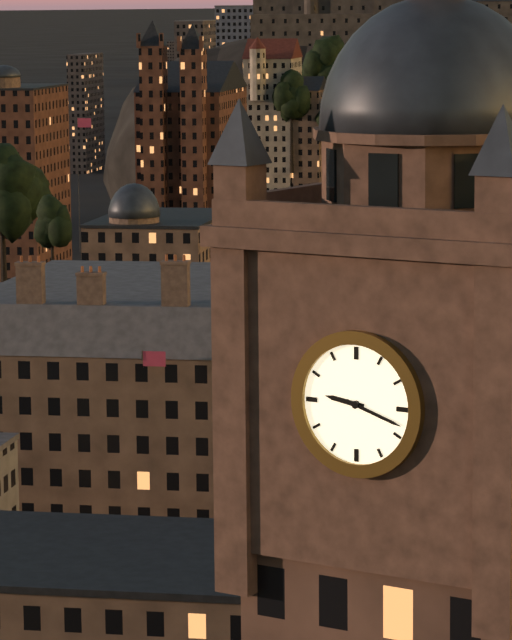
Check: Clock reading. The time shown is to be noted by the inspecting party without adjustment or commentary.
9:18
